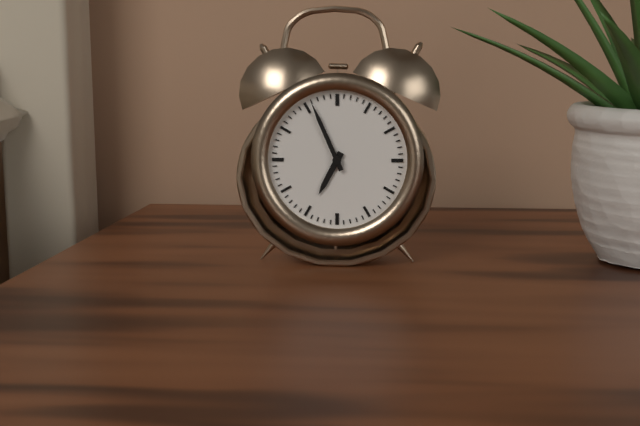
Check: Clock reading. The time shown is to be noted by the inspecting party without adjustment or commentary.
6:56
